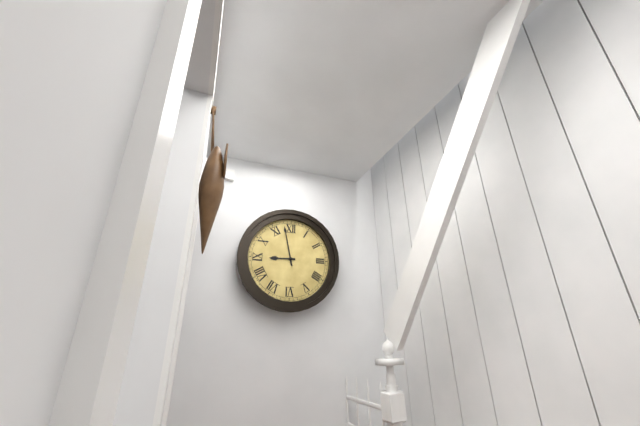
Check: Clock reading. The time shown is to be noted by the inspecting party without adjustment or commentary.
8:58
